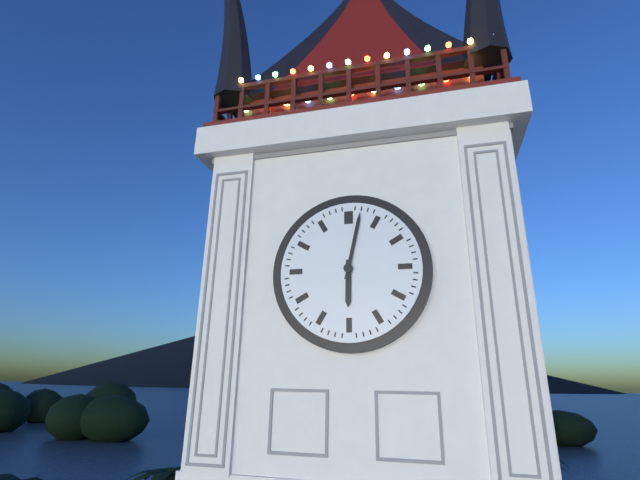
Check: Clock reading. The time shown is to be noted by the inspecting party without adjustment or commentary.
6:02
